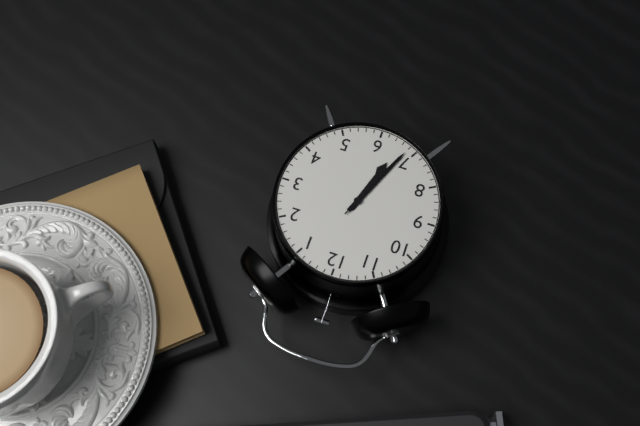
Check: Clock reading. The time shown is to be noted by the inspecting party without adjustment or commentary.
6:34:34
